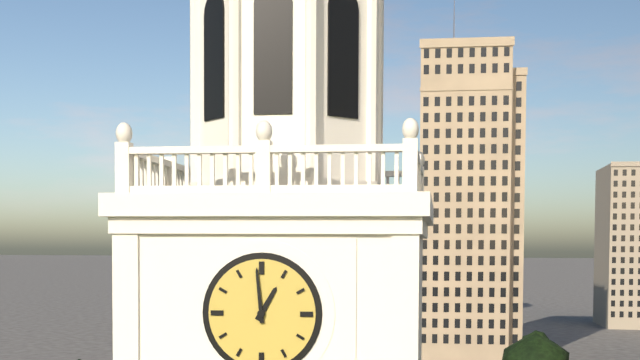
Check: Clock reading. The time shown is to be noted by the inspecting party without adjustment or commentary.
12:59
